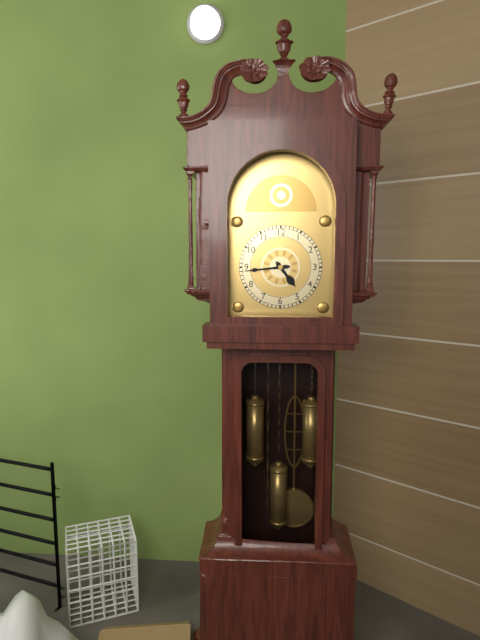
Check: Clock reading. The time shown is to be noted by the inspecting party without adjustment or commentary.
4:44
